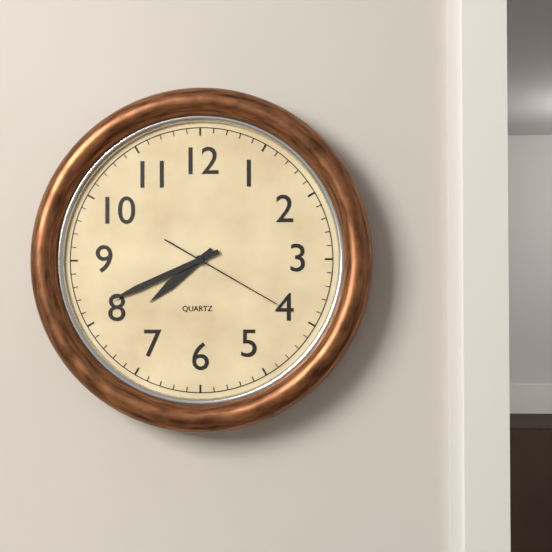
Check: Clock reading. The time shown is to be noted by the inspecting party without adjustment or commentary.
7:41:20
